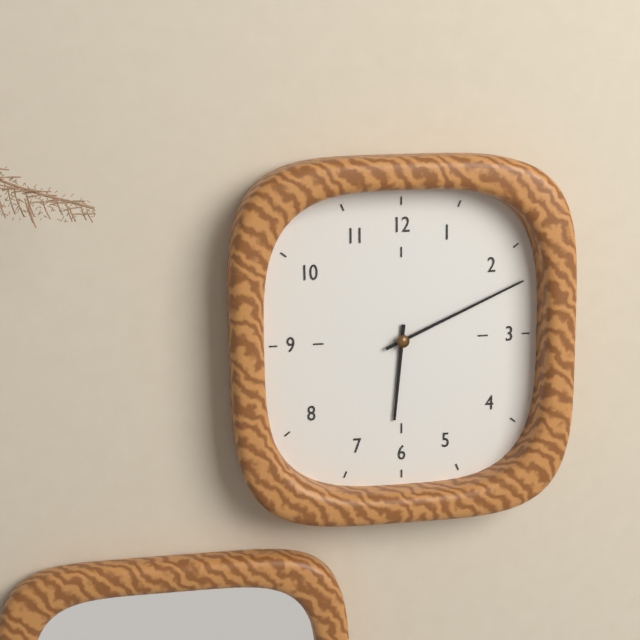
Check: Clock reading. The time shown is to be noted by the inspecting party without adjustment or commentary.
6:11
